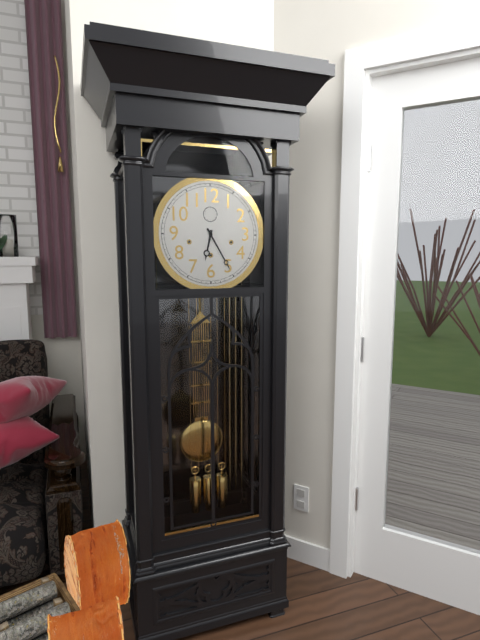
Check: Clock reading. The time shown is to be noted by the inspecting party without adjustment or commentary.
6:25
